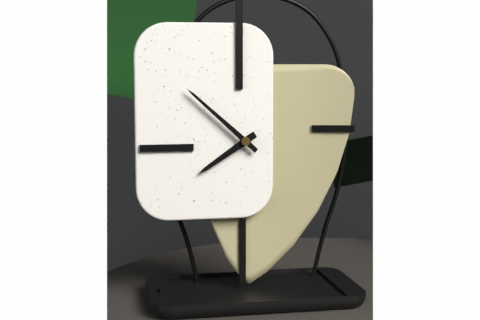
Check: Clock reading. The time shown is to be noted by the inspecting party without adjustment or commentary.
7:52
